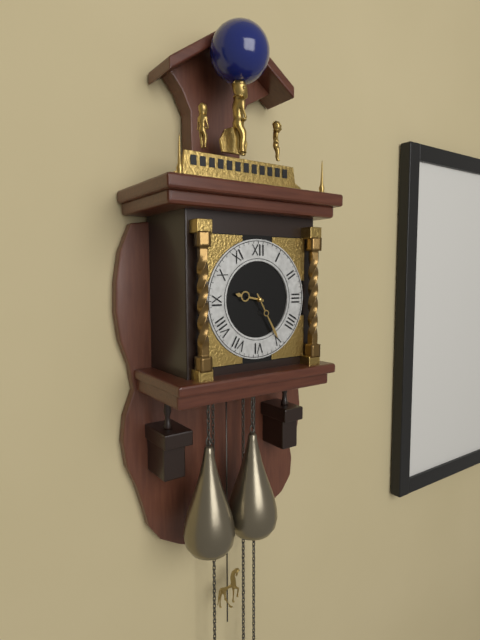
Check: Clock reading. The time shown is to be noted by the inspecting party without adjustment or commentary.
9:25
